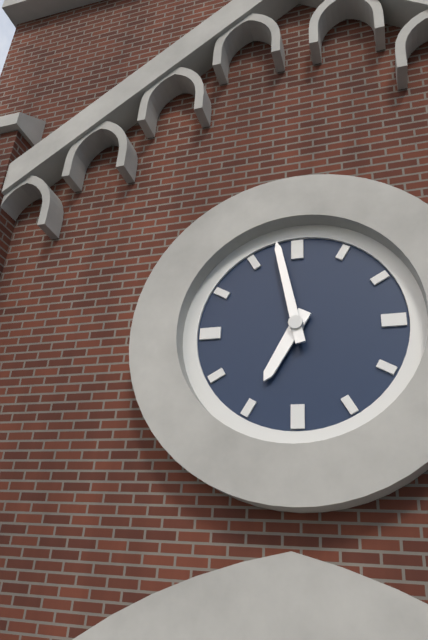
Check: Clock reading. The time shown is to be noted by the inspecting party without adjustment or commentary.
6:58
